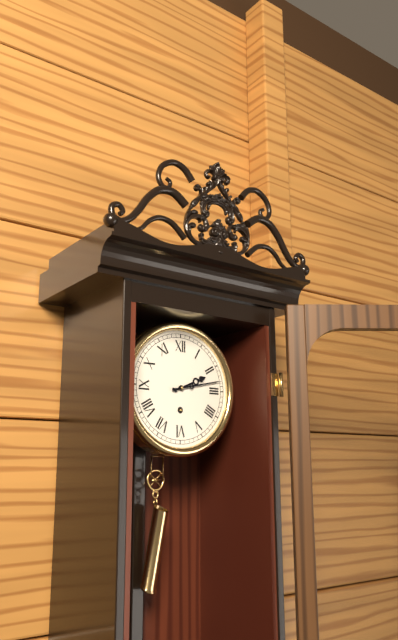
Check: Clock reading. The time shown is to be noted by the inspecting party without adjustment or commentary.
2:13
